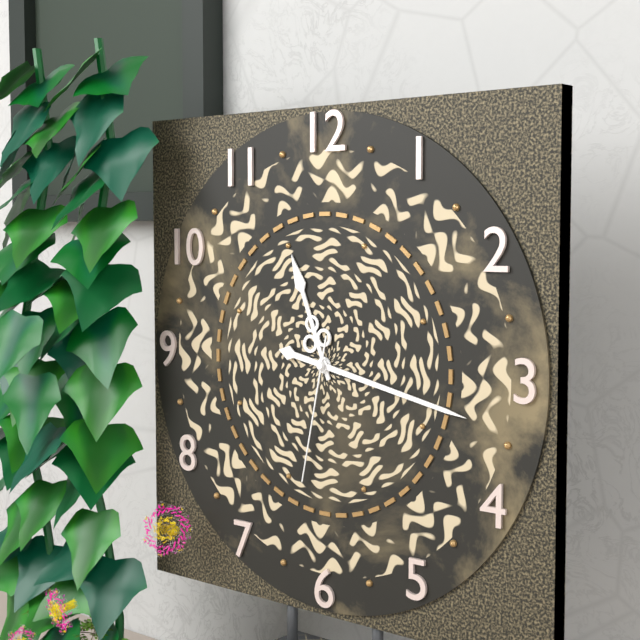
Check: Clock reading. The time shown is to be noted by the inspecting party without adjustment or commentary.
11:17:32
